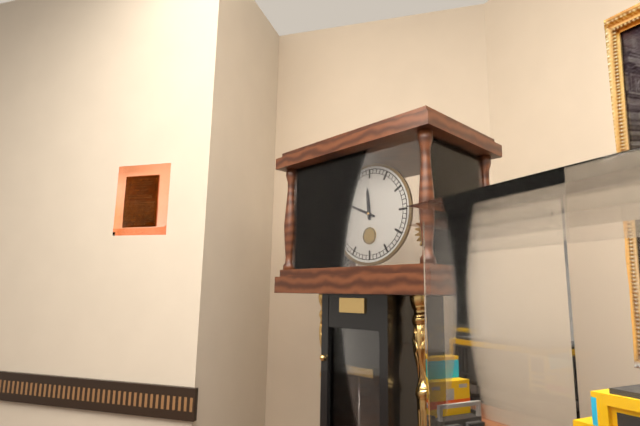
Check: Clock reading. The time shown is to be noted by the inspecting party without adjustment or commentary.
11:49
